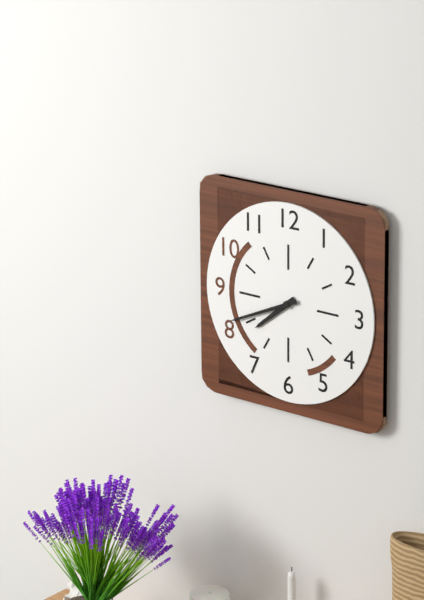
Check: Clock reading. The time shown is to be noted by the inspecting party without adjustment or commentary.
7:41
